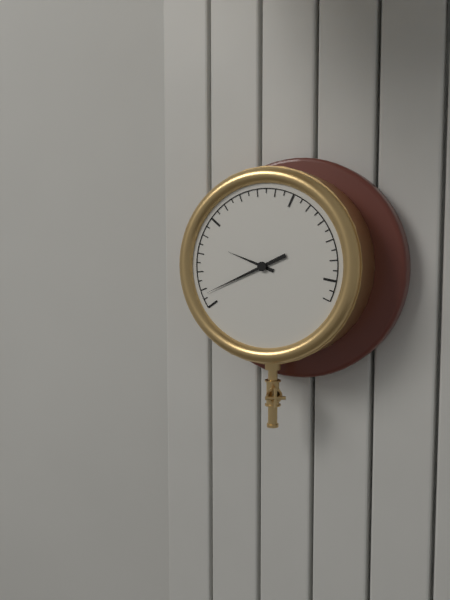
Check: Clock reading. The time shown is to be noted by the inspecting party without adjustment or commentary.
9:41
